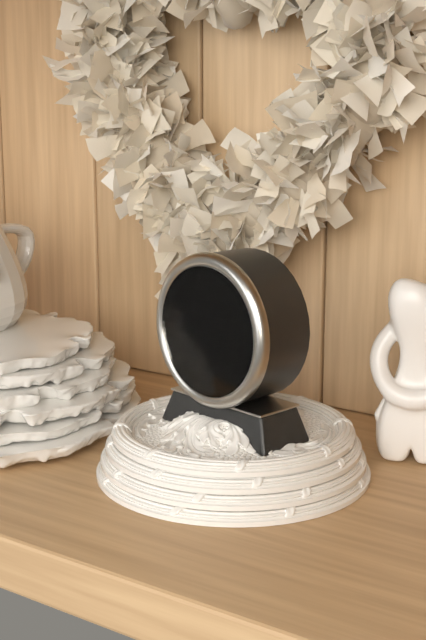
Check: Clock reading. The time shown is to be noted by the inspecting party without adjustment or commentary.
5:46
